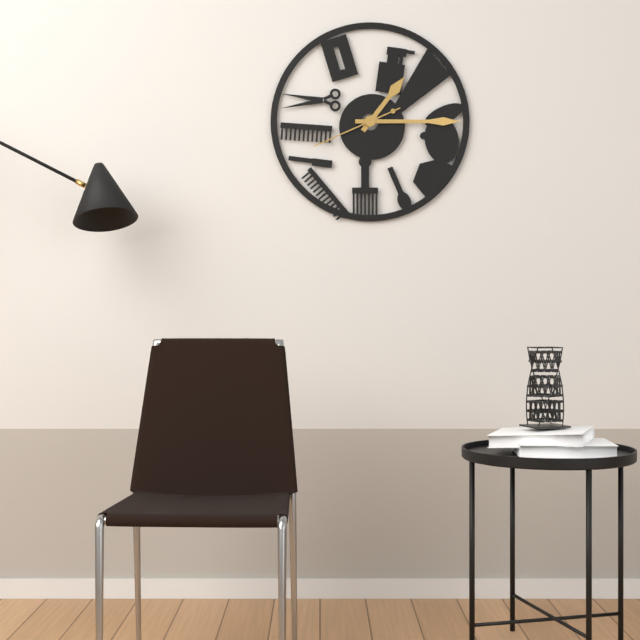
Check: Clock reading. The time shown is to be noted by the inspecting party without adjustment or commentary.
1:15:41
